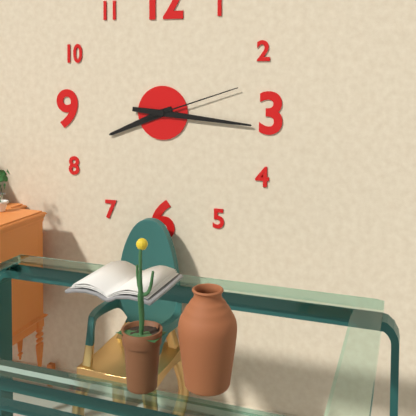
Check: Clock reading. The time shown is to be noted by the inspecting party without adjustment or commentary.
8:16:12
